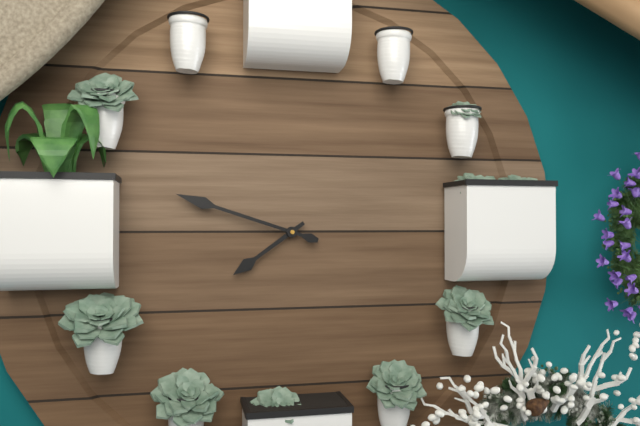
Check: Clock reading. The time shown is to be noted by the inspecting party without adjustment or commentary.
7:48
